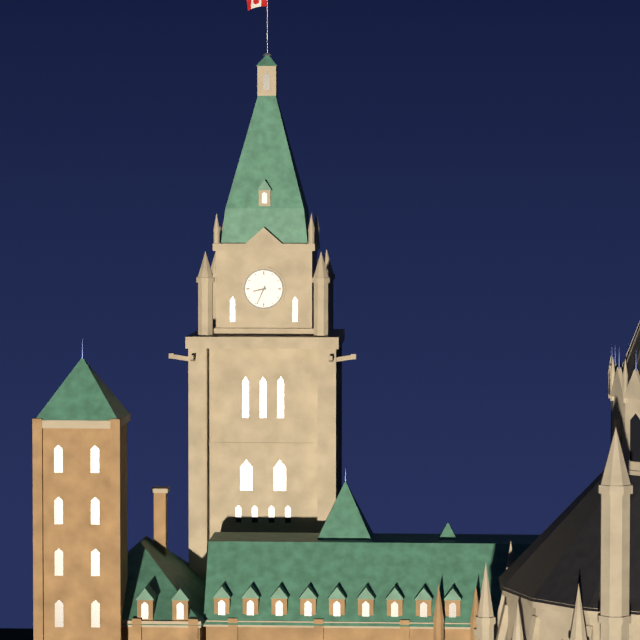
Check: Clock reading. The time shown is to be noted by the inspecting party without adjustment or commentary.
8:34
